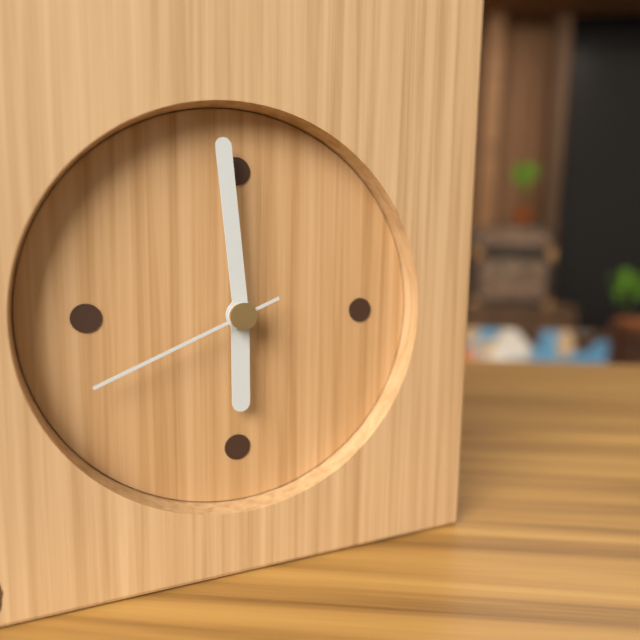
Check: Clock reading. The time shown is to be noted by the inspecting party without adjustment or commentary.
5:59:41
